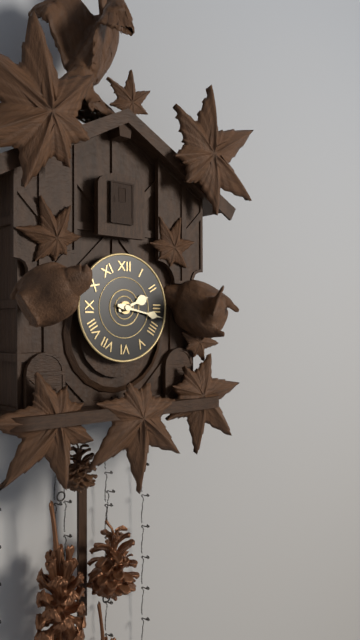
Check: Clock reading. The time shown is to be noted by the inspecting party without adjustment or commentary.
2:17
